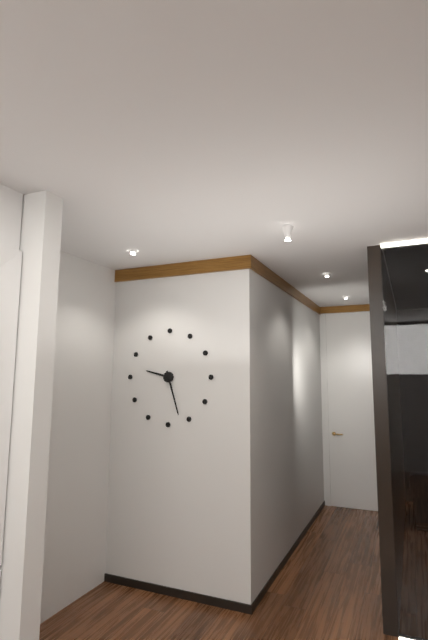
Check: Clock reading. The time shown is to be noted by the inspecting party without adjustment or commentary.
9:27
